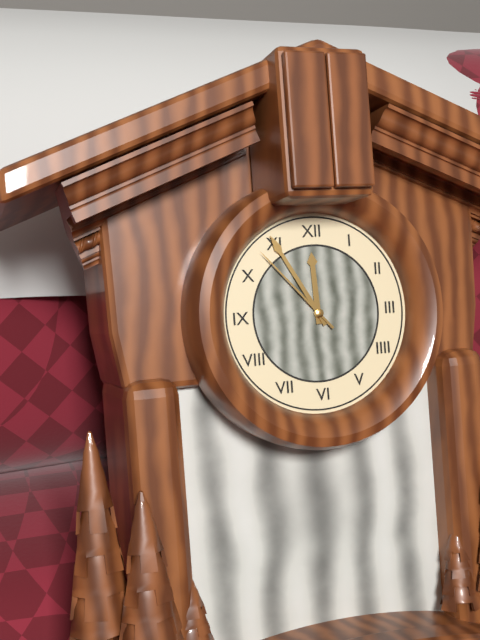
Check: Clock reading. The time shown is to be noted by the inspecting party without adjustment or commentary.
11:55:53
